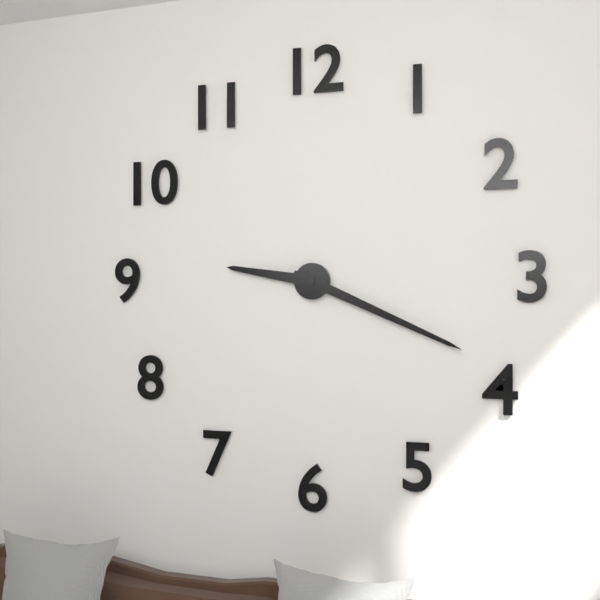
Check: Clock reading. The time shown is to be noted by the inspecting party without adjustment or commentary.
9:19
